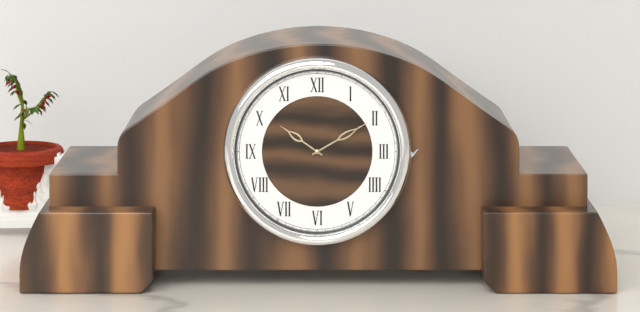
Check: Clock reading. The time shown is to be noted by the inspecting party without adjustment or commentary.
10:10
